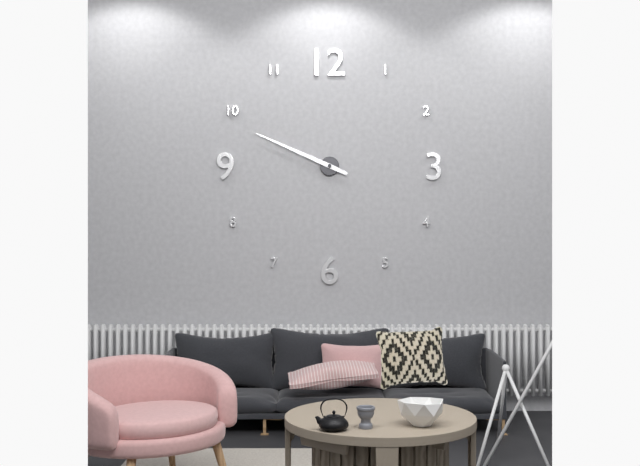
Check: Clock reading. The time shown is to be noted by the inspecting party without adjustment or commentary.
9:49
